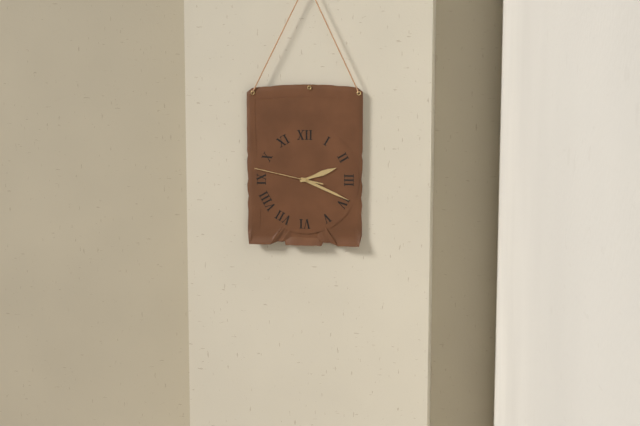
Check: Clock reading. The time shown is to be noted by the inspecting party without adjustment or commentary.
2:19:47
